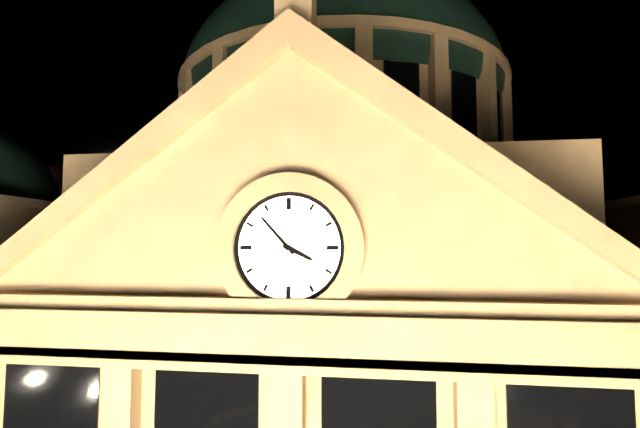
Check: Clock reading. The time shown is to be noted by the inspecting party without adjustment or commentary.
3:53
